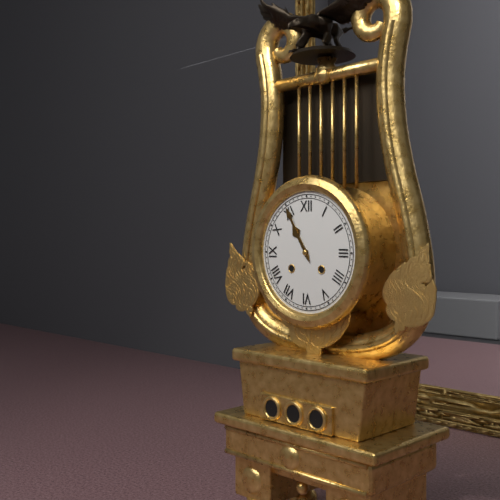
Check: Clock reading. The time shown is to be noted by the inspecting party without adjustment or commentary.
10:55
